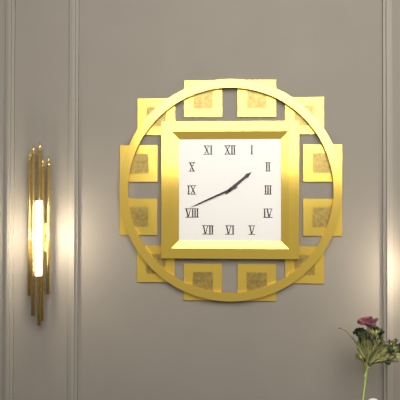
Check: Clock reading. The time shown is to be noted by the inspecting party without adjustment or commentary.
1:41
